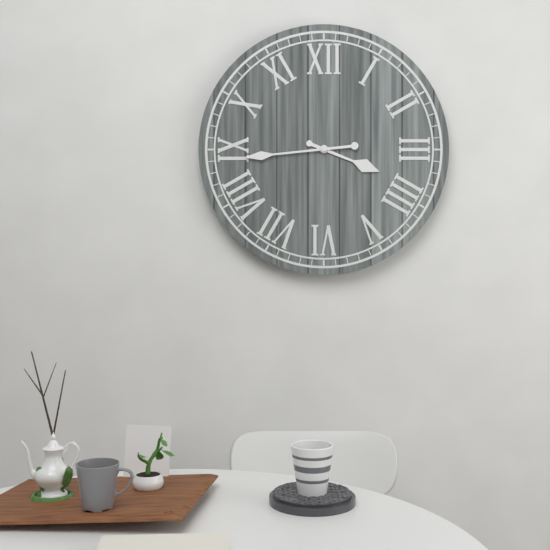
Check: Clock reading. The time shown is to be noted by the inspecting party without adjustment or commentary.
3:44
